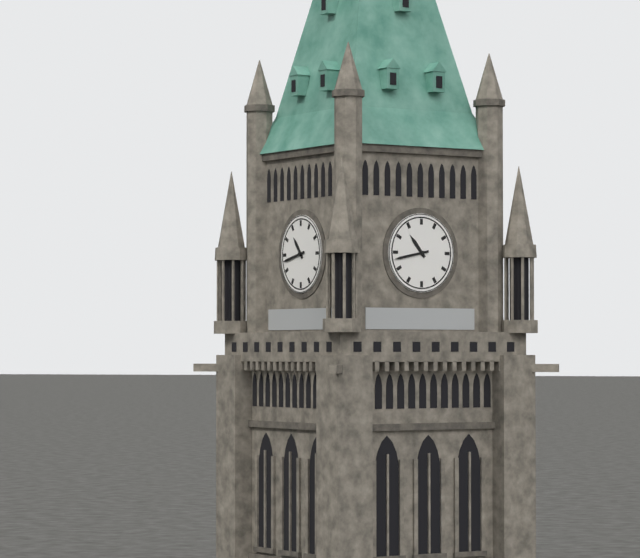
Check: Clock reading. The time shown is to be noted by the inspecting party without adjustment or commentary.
10:43
